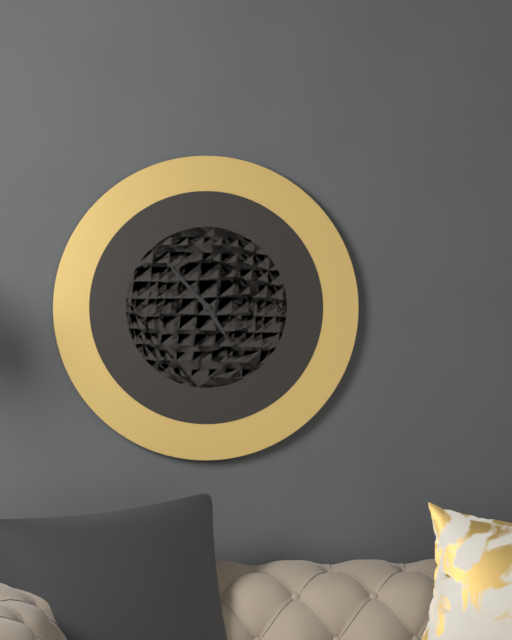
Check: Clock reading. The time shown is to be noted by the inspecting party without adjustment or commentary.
4:53
